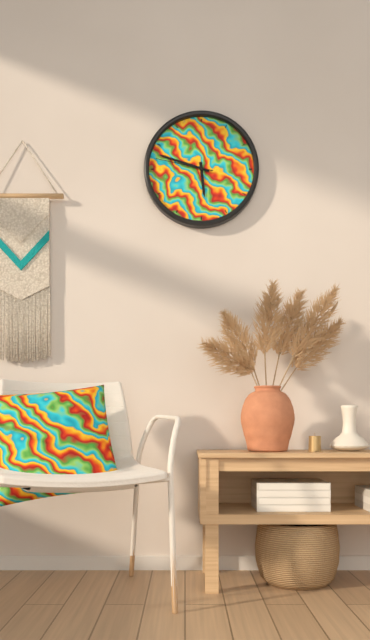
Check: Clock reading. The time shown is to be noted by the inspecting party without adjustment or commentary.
5:48:47
